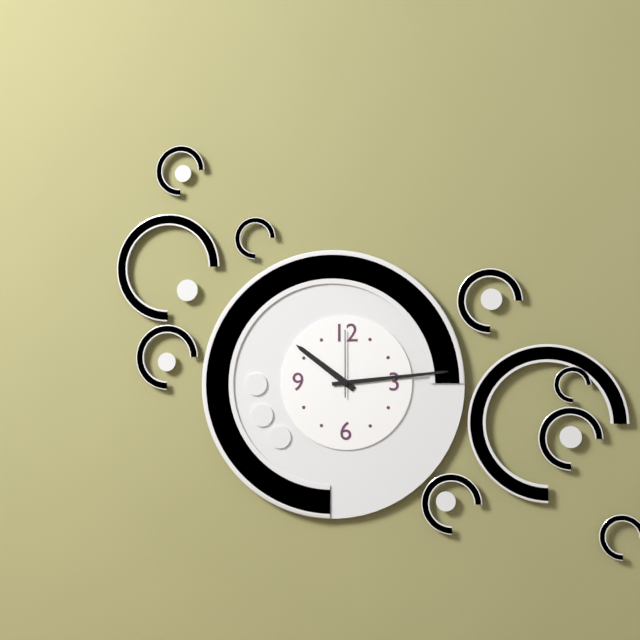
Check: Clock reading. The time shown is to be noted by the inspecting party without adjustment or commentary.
10:14:00
